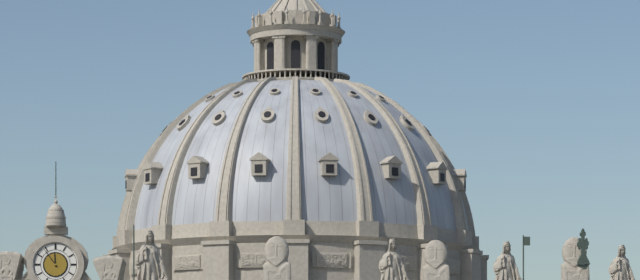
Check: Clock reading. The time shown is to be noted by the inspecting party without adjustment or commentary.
11:54
